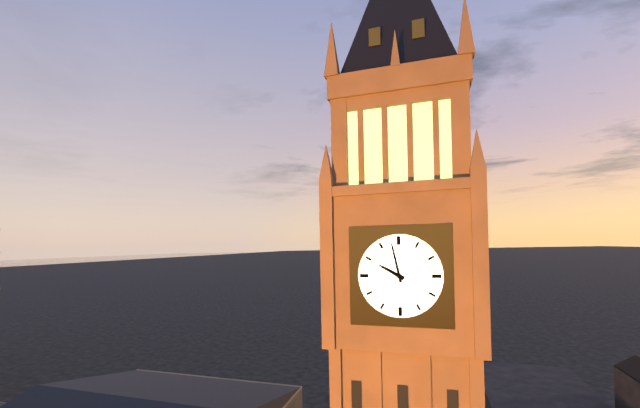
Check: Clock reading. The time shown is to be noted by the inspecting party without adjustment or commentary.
9:58
